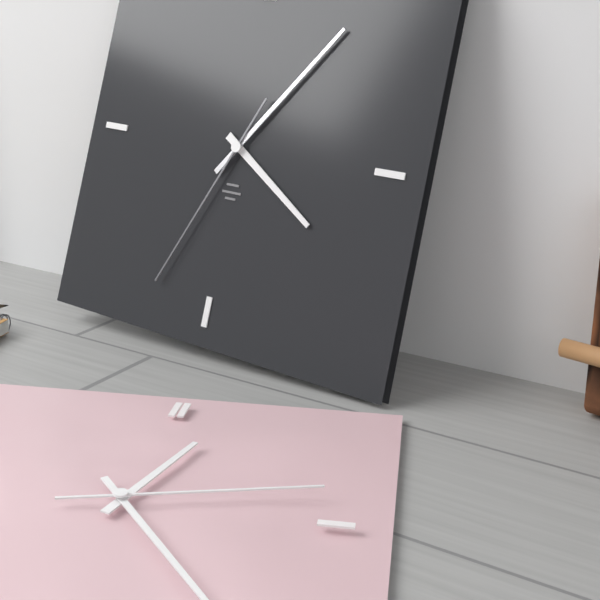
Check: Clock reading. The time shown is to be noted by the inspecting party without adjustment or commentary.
4:06:34
